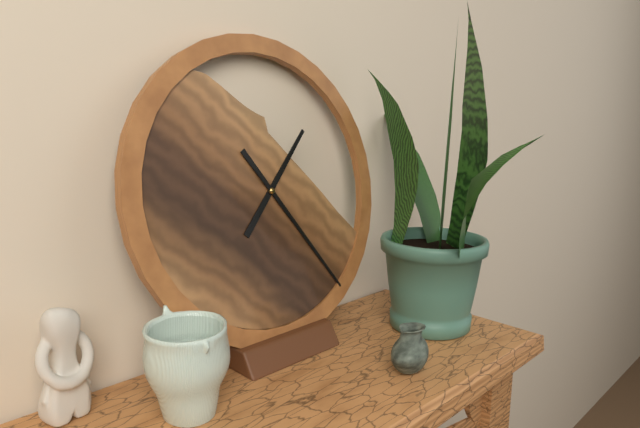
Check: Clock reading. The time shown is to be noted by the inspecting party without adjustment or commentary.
1:24
